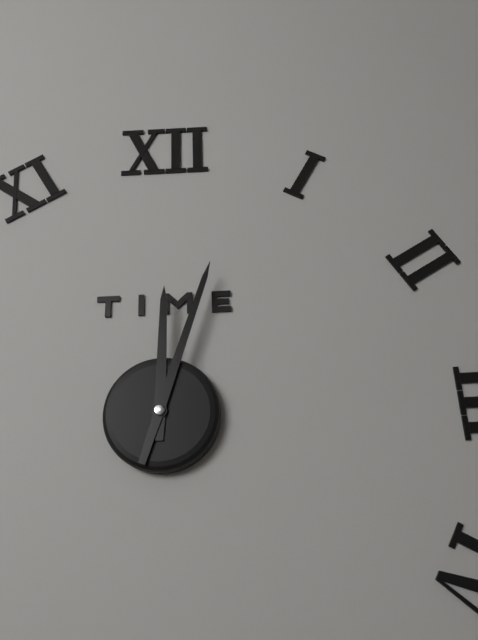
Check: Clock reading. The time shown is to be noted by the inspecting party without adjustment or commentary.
12:03
